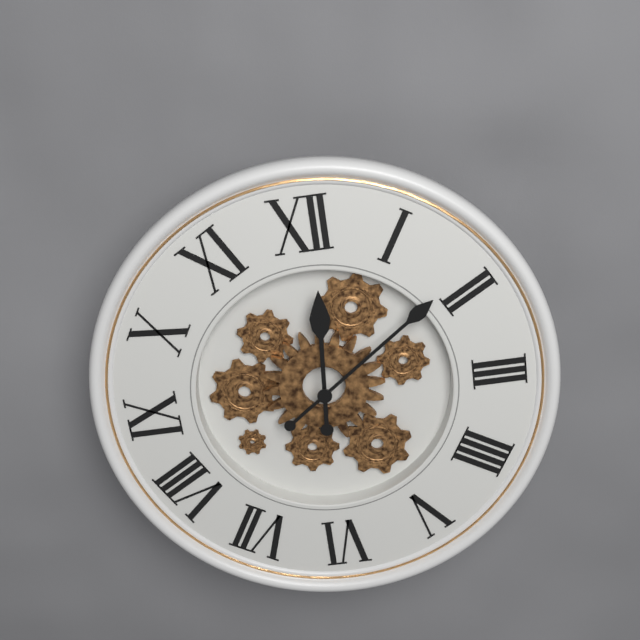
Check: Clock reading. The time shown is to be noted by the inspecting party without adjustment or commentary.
12:09
